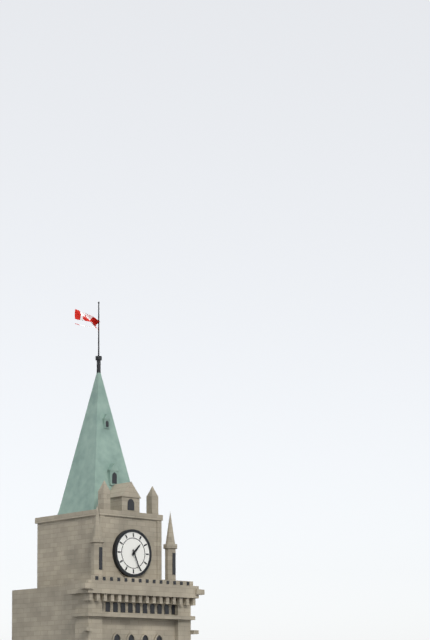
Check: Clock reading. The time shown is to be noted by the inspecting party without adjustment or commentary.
1:26
